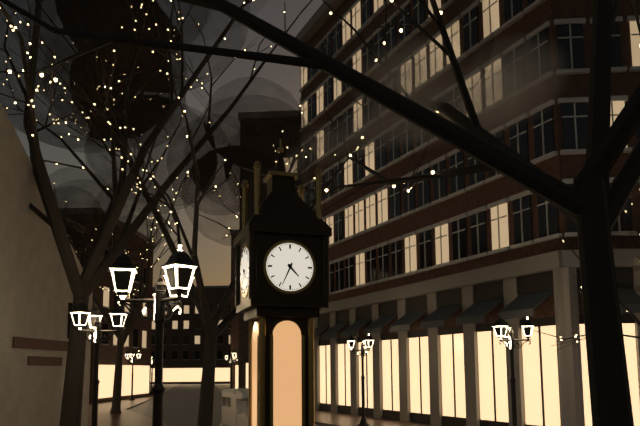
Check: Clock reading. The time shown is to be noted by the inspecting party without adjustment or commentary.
4:34
